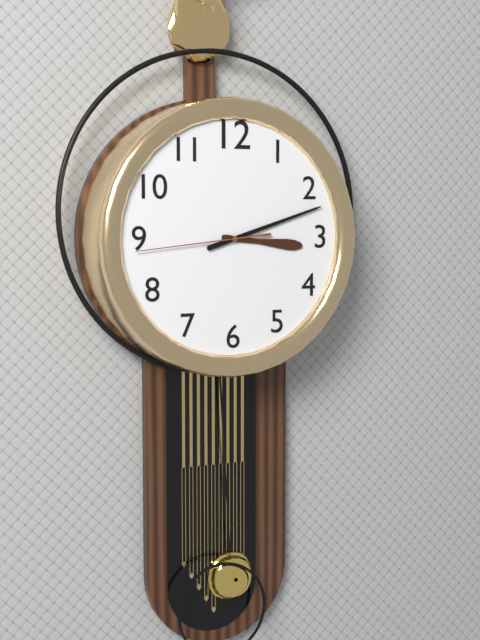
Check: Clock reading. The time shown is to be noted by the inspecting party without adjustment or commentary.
3:12:44
